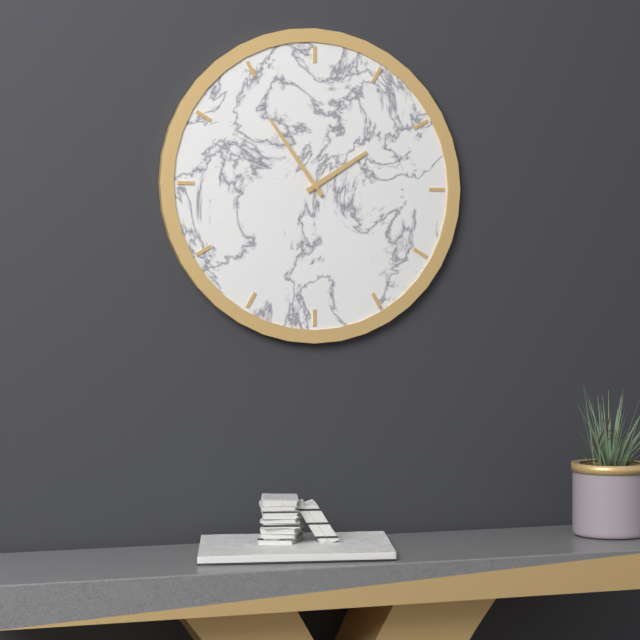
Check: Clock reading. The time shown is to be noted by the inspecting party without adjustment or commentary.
1:54
